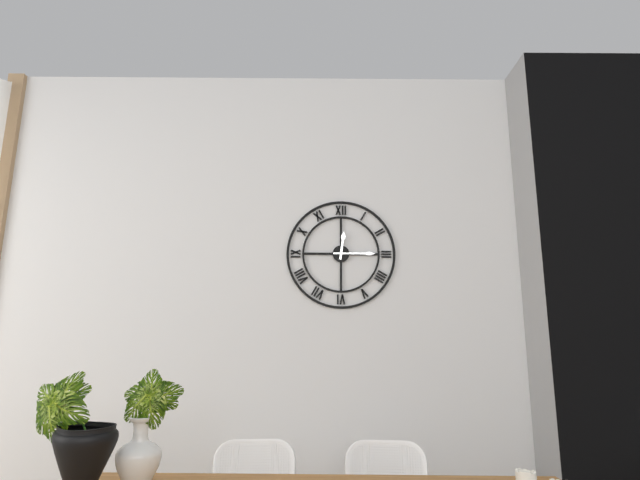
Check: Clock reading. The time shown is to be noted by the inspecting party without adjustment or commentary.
12:15
